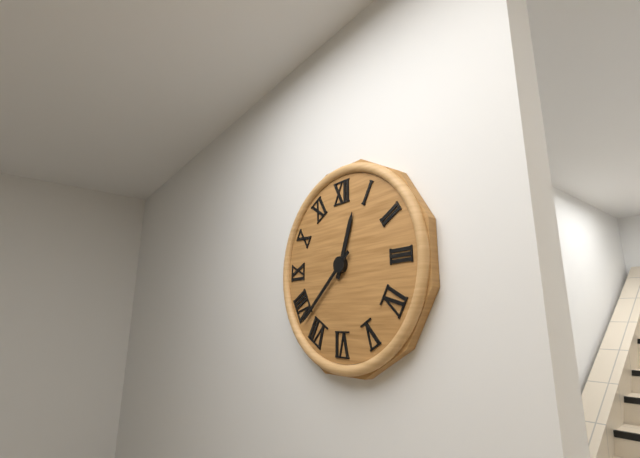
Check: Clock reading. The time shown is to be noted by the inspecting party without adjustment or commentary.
12:38
